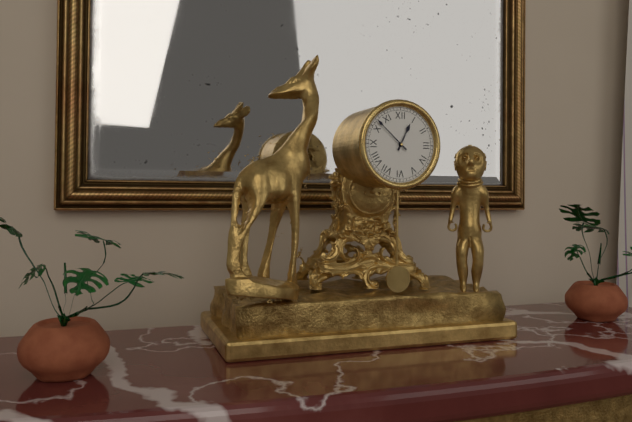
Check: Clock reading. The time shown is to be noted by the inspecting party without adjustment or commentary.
12:52
